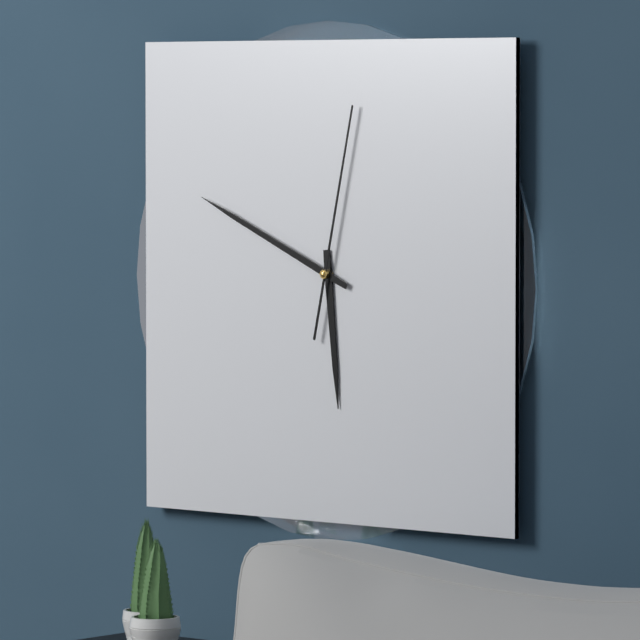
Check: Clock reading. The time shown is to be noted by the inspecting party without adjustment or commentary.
5:49:02
